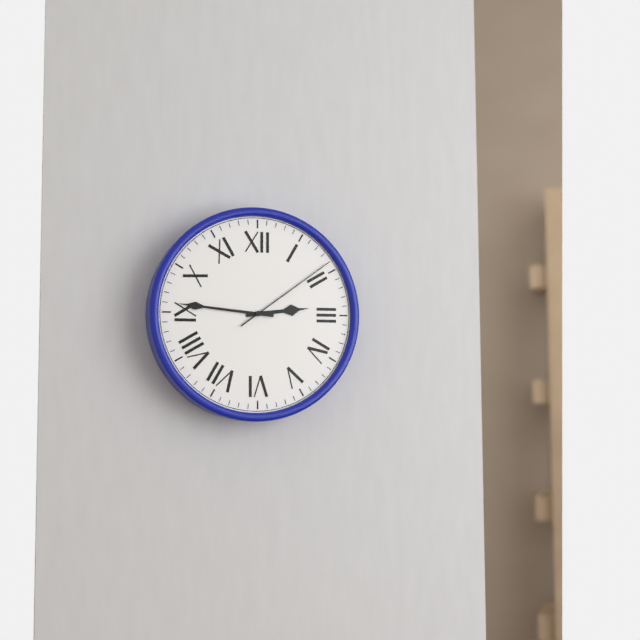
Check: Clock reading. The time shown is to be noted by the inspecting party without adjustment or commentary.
2:46:09
